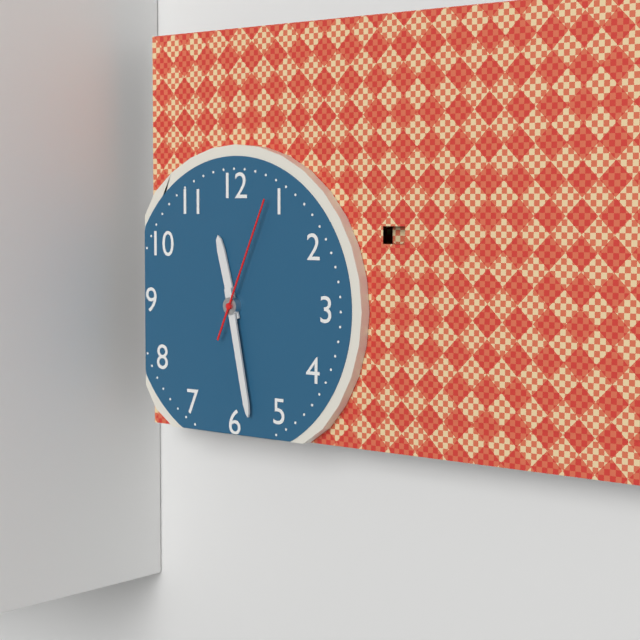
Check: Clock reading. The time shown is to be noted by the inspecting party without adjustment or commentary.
11:28:04
